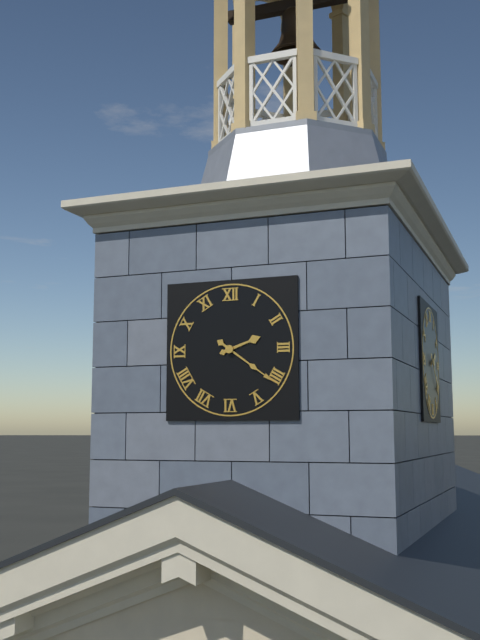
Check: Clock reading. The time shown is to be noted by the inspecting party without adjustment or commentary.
2:21
